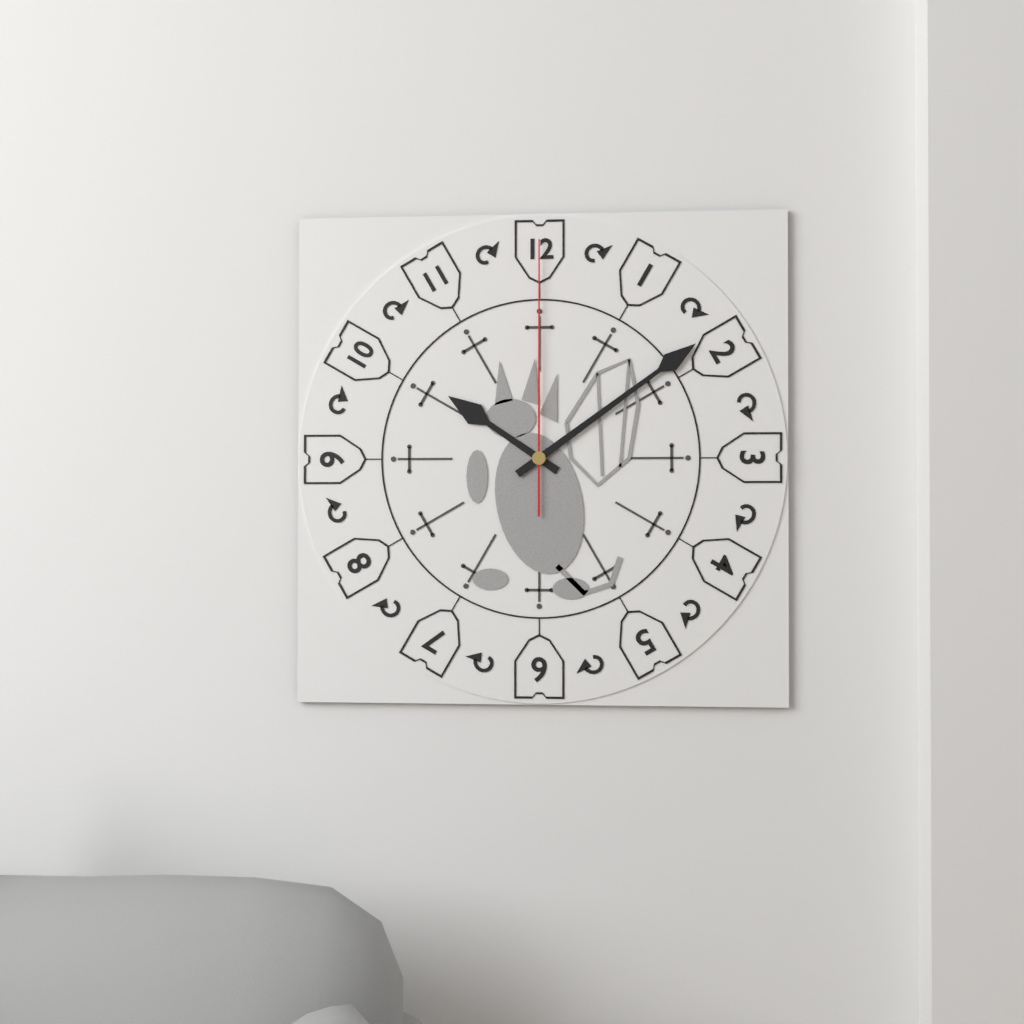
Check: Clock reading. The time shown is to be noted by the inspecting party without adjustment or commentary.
10:09:00
